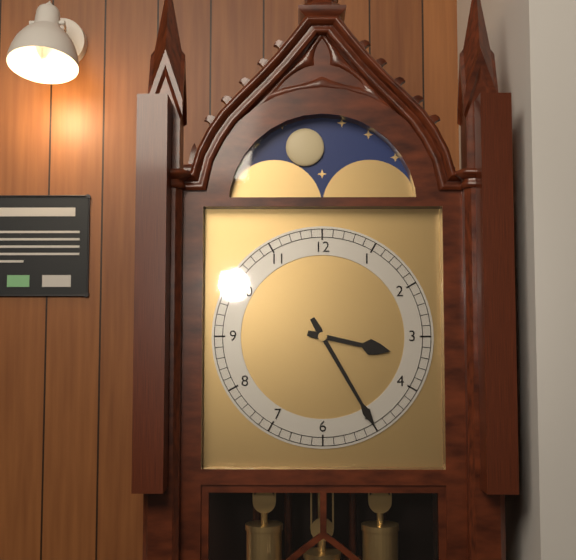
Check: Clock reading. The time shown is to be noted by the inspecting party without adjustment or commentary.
3:25
